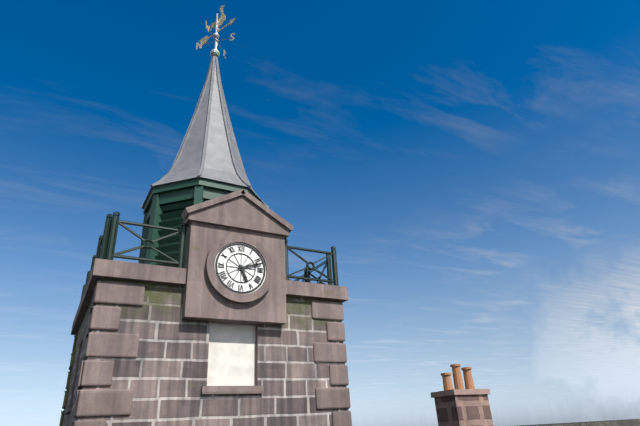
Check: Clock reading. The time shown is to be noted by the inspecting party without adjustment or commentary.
5:12
